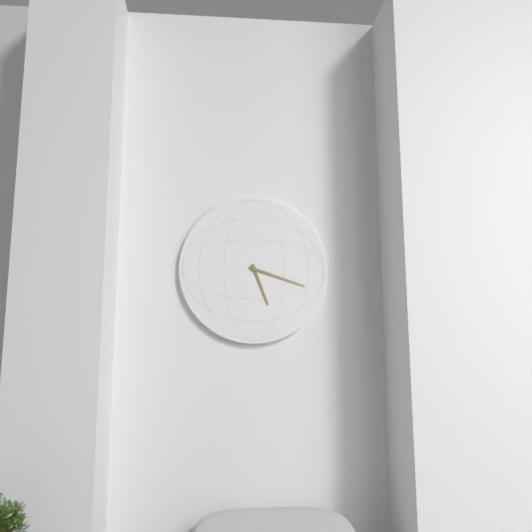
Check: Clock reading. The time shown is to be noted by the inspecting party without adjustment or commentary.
5:18
